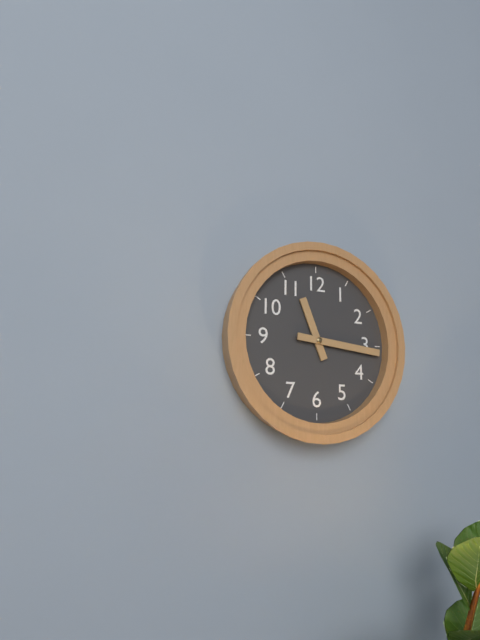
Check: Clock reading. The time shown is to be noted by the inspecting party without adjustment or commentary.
11:16
